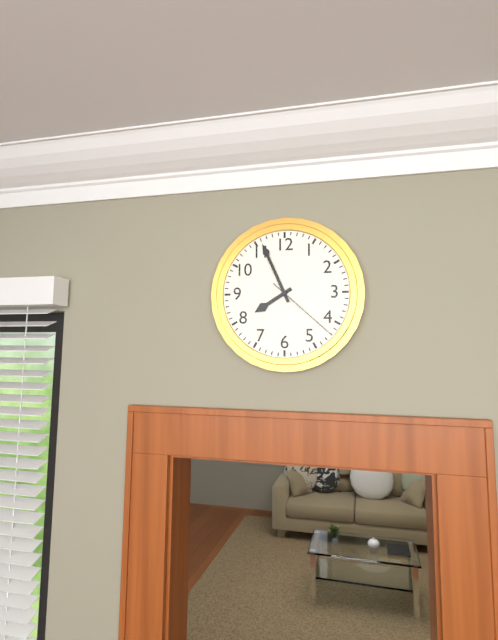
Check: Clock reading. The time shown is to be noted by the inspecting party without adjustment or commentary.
7:56:22
